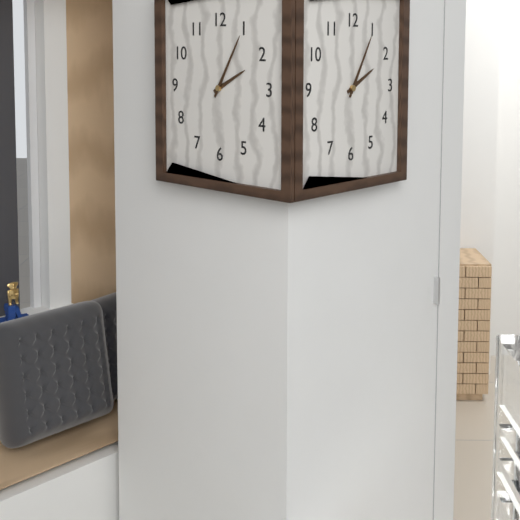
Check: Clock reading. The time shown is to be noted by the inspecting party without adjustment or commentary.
2:05
